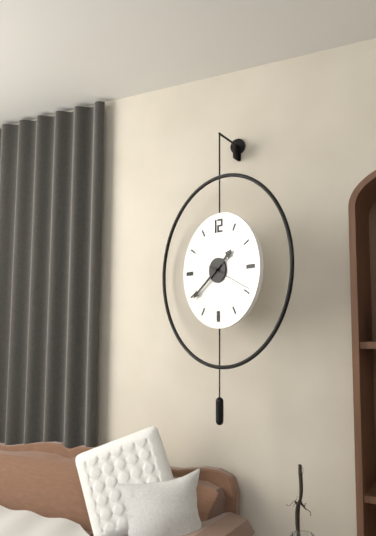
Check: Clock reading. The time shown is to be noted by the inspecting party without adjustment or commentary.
1:39
